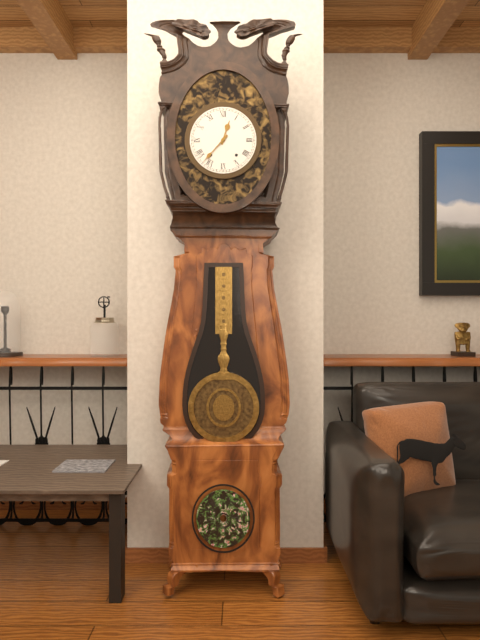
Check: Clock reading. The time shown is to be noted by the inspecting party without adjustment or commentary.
12:37
